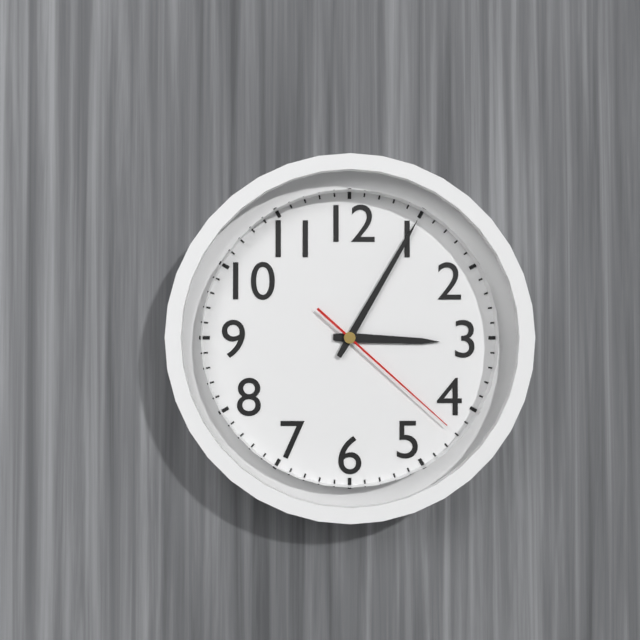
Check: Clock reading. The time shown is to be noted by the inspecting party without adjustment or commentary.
3:05:22
